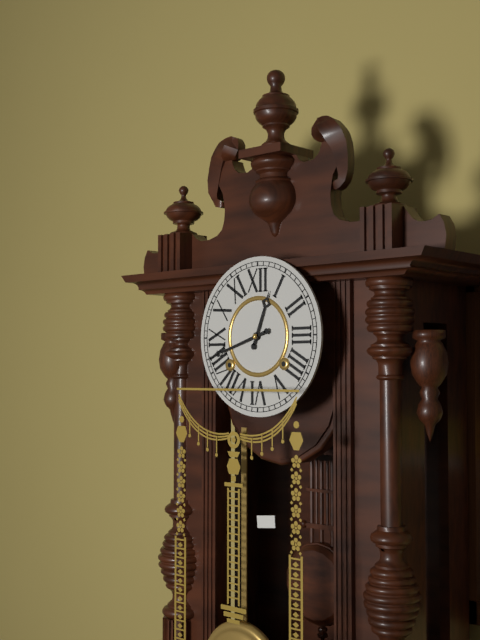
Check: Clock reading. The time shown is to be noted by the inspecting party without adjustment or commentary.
12:42
